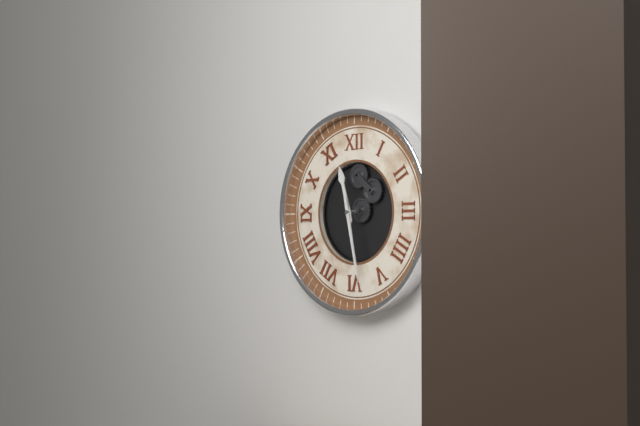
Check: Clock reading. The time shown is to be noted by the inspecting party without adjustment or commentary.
11:28
